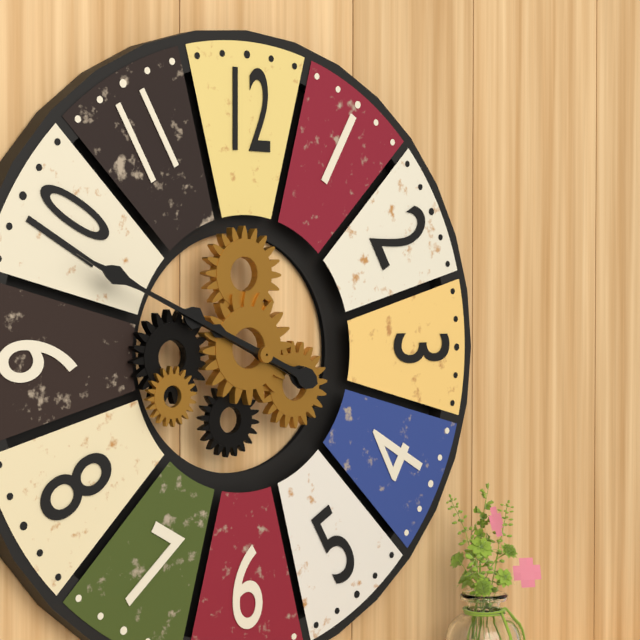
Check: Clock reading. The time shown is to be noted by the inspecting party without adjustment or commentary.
9:49
